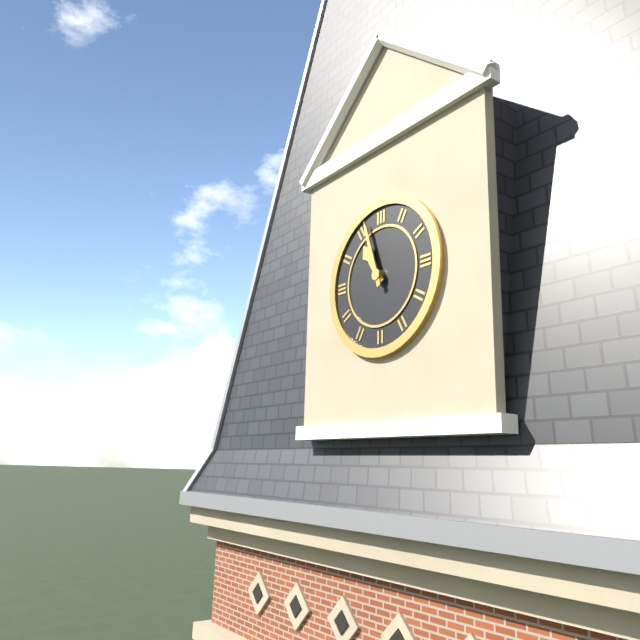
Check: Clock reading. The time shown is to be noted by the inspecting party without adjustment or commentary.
10:57
